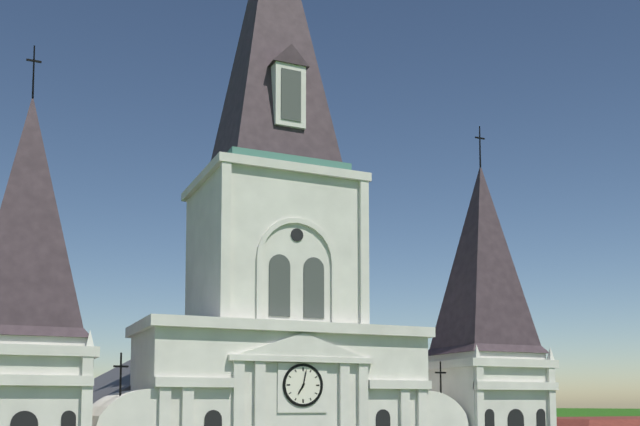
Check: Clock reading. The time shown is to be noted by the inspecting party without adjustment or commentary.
7:02
